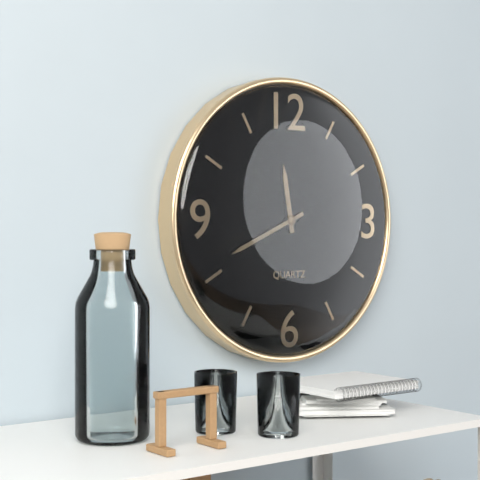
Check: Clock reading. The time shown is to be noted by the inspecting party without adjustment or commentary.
11:41
